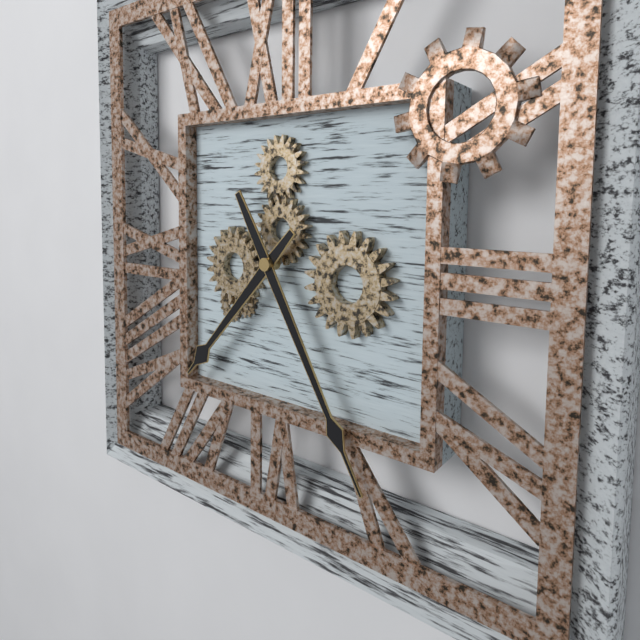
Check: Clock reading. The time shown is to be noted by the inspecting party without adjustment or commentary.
7:25
